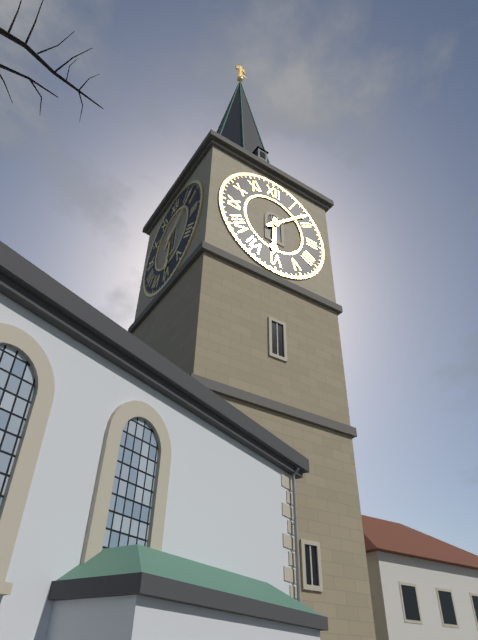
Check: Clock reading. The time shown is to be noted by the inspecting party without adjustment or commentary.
6:08
